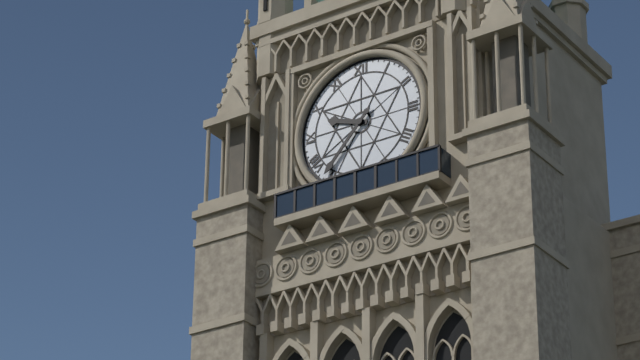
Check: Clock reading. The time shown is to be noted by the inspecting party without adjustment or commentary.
9:37
